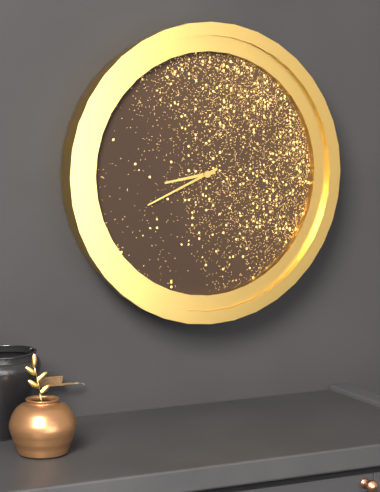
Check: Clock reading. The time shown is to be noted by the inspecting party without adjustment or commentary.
8:41
